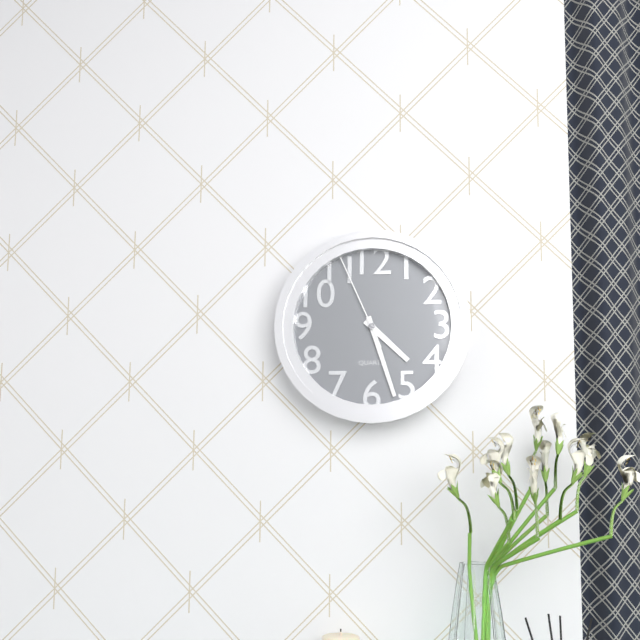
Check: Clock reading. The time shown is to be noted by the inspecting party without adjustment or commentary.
4:27:56
